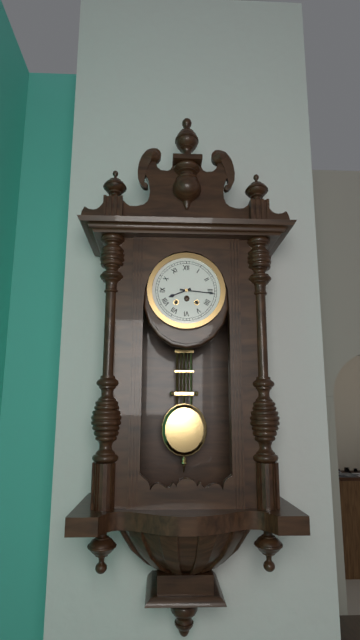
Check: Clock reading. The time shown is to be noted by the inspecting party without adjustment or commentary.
8:16
